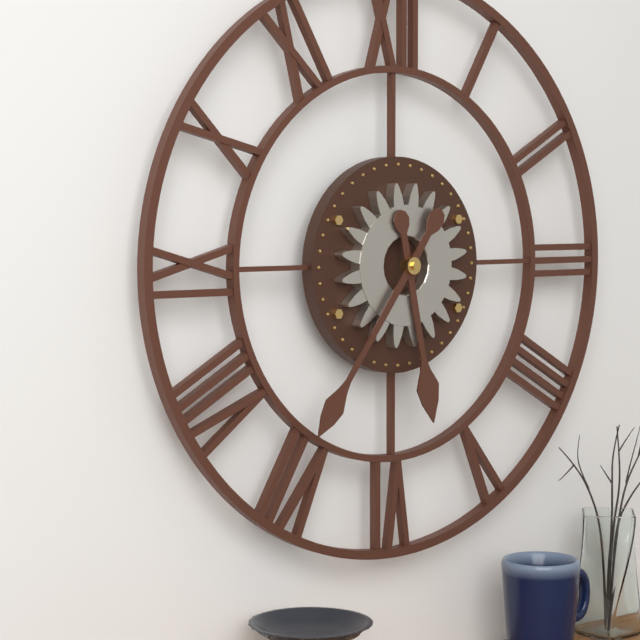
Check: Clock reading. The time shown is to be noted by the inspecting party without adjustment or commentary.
5:36
